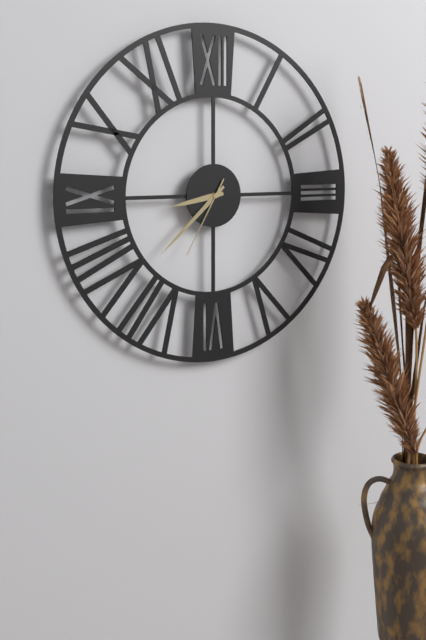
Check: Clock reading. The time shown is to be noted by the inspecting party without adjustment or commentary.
8:38:35
